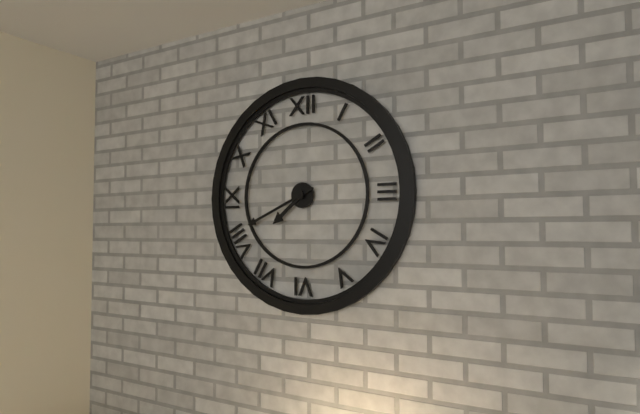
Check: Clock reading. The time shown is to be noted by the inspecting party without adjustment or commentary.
7:41
